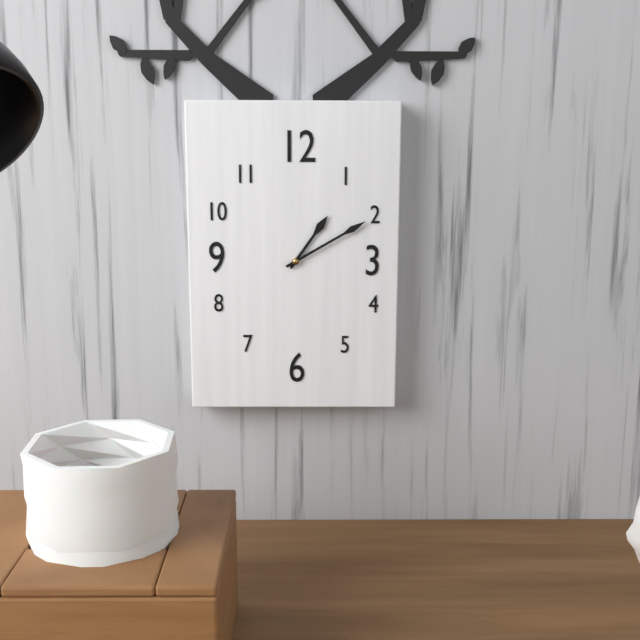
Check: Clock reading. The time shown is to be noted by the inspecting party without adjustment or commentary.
1:10
